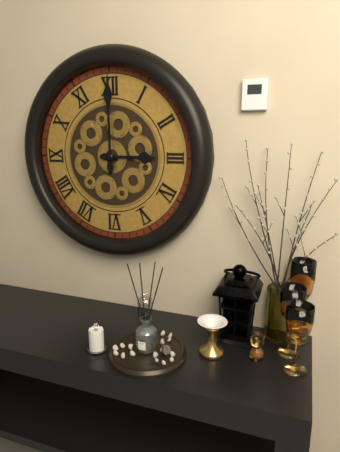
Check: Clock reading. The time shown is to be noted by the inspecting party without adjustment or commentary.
3:00
